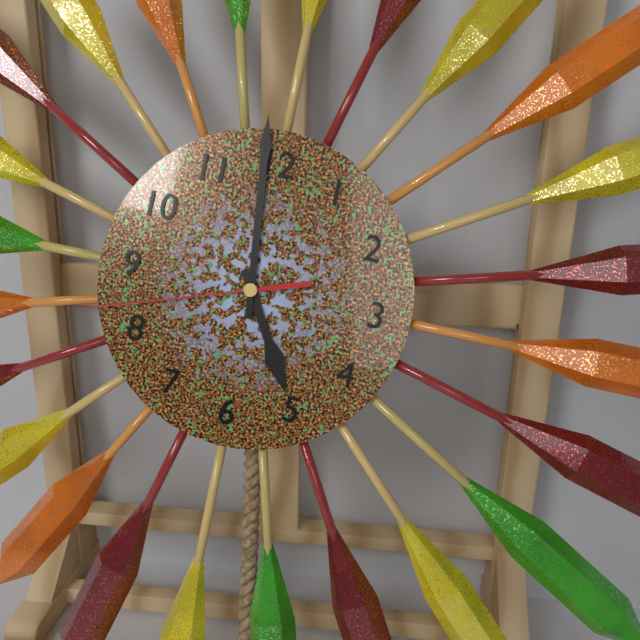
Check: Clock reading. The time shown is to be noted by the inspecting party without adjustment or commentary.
4:59:42
